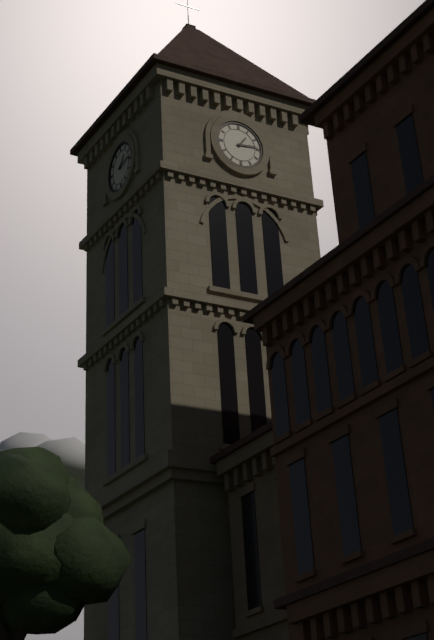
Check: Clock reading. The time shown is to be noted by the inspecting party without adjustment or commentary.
1:14
